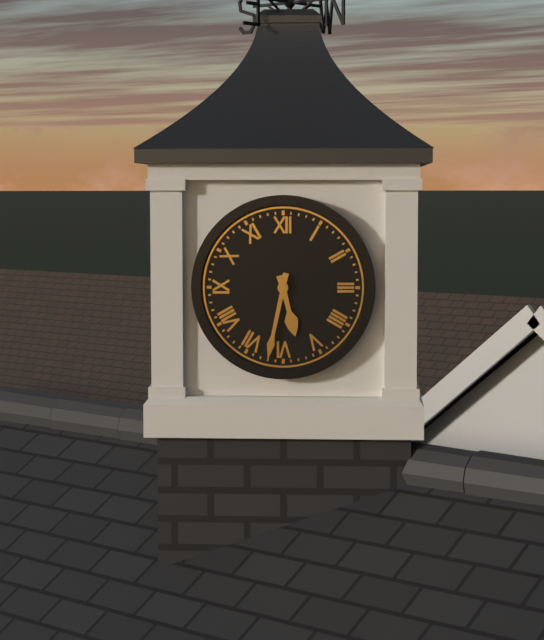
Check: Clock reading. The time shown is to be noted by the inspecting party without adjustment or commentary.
5:32
